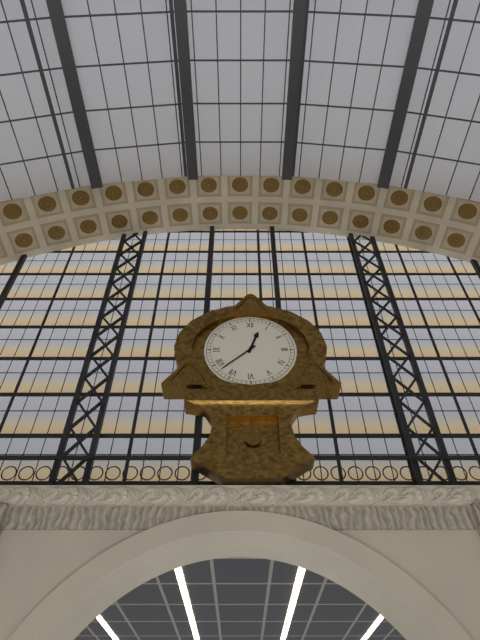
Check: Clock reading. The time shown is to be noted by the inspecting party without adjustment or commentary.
12:38
